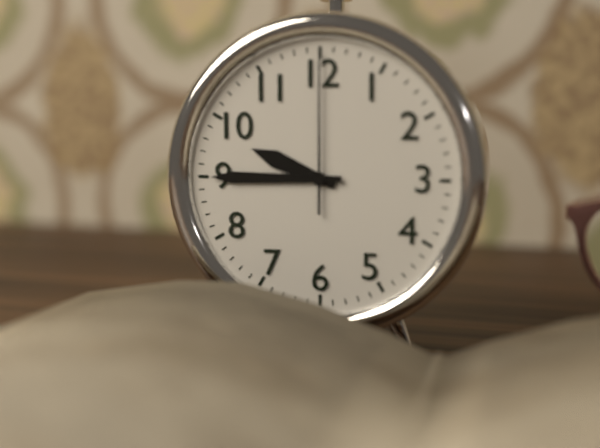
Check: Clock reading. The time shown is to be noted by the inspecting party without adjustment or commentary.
9:45:00
